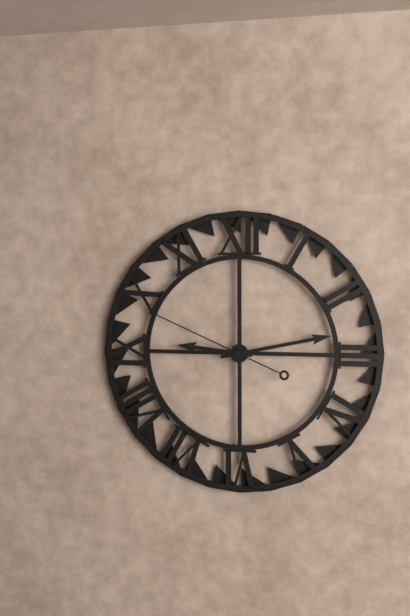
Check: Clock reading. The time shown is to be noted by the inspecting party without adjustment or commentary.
9:13:49
